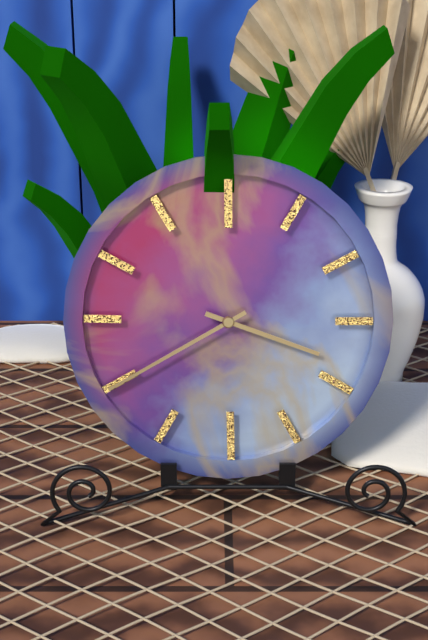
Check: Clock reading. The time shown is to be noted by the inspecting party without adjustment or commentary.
3:40
